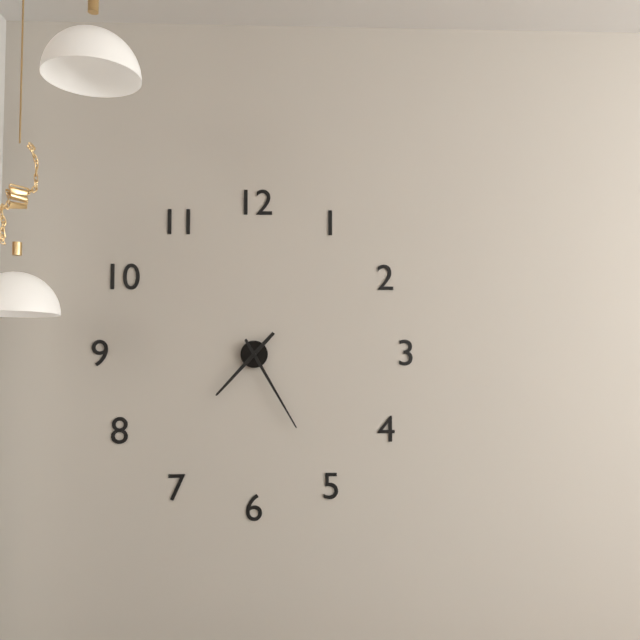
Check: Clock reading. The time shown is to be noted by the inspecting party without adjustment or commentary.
7:25
